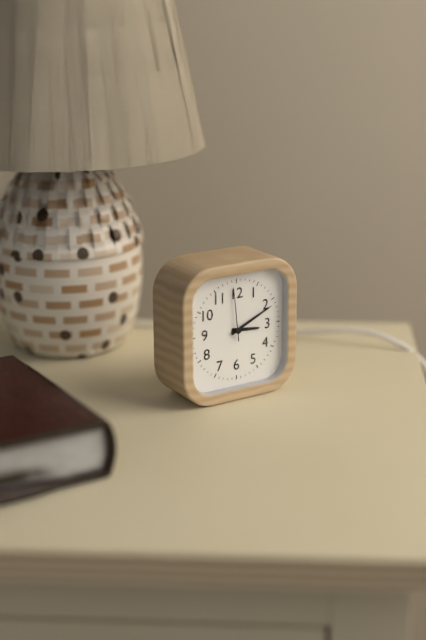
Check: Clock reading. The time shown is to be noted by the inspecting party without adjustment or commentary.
3:11:59
